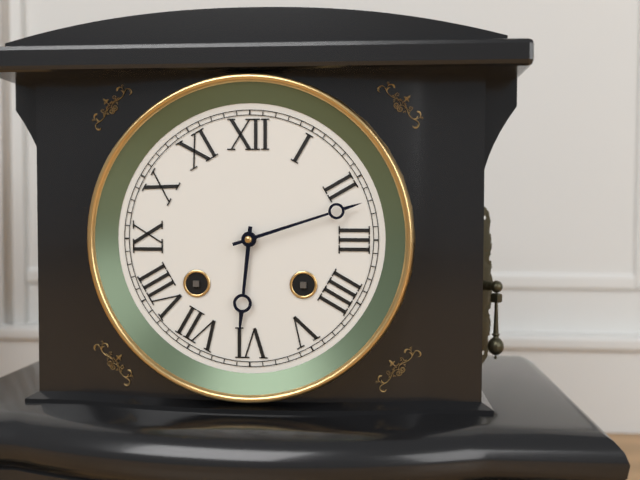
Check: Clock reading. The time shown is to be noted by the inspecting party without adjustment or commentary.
6:12
